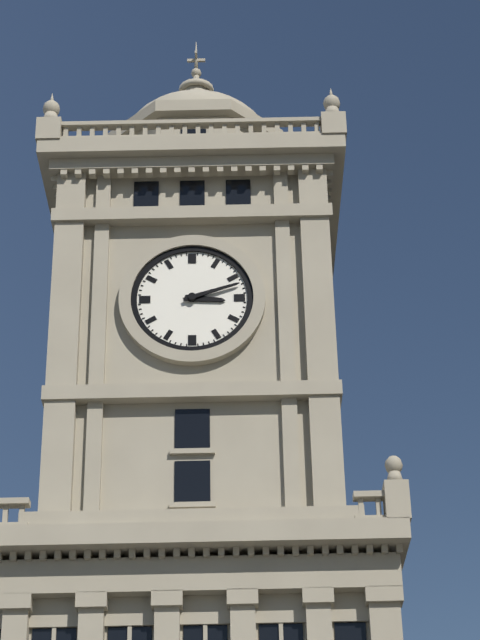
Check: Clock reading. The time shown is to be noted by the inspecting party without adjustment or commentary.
3:12
